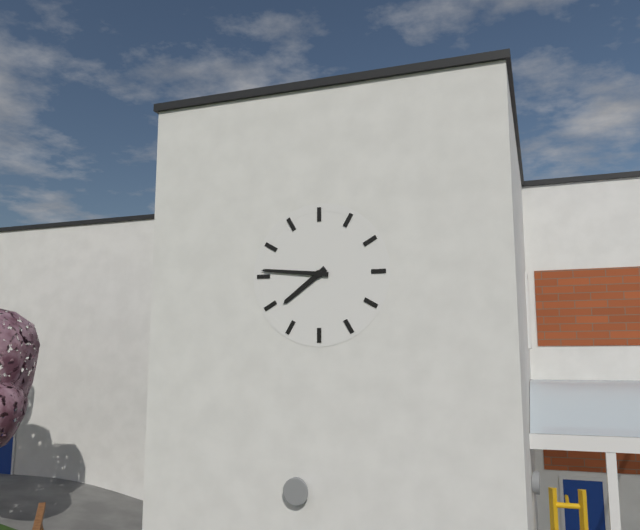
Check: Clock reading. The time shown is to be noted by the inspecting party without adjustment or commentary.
7:46
